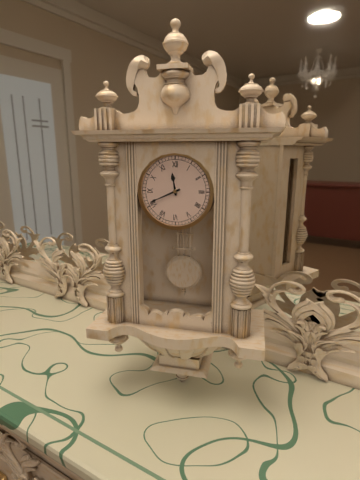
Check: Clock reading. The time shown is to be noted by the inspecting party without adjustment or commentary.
11:41
